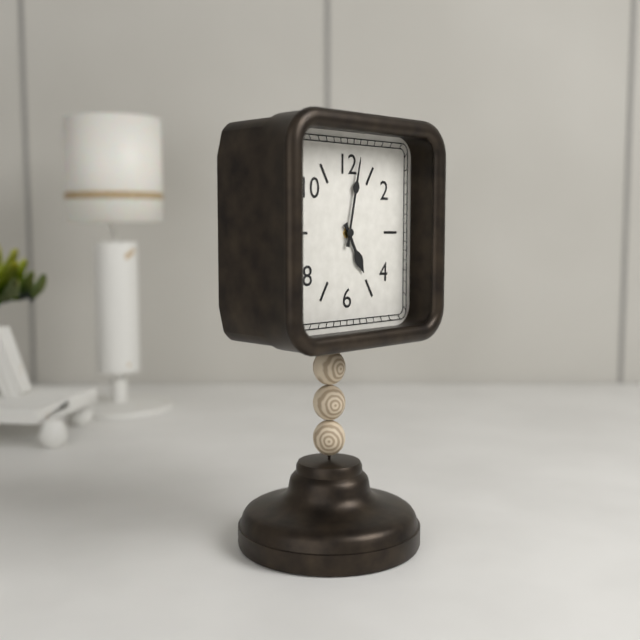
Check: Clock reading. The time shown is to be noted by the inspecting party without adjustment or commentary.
5:02
